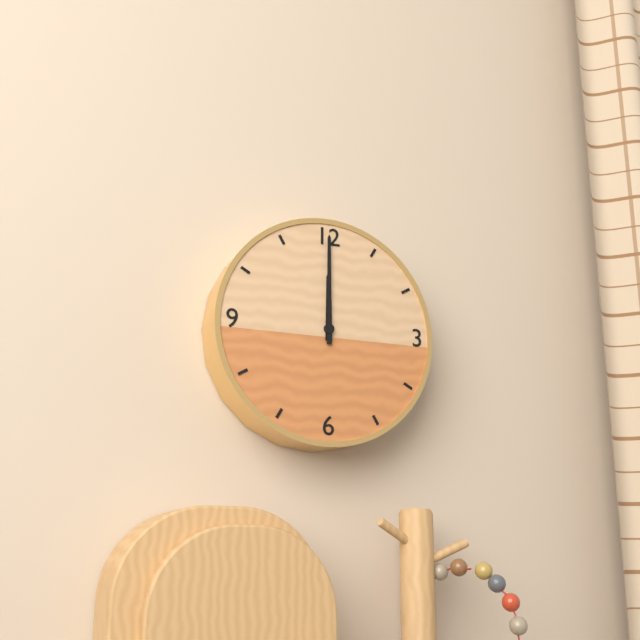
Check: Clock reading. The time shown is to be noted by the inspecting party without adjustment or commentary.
12:00
